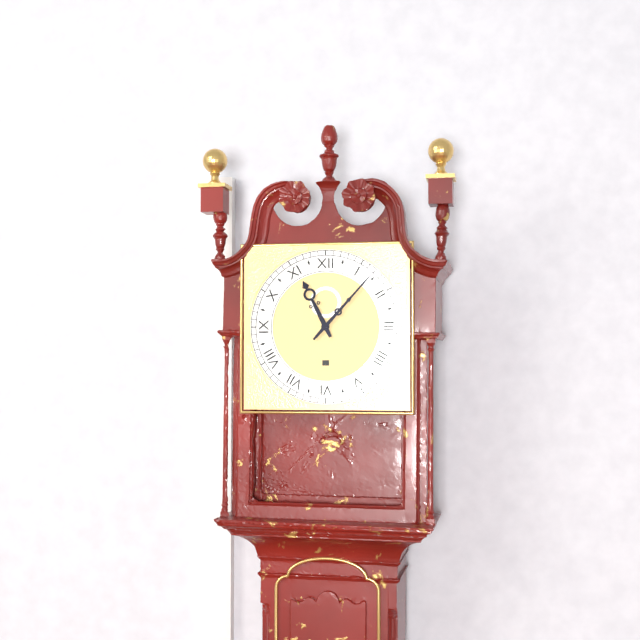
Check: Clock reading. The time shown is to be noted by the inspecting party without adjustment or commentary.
11:07
